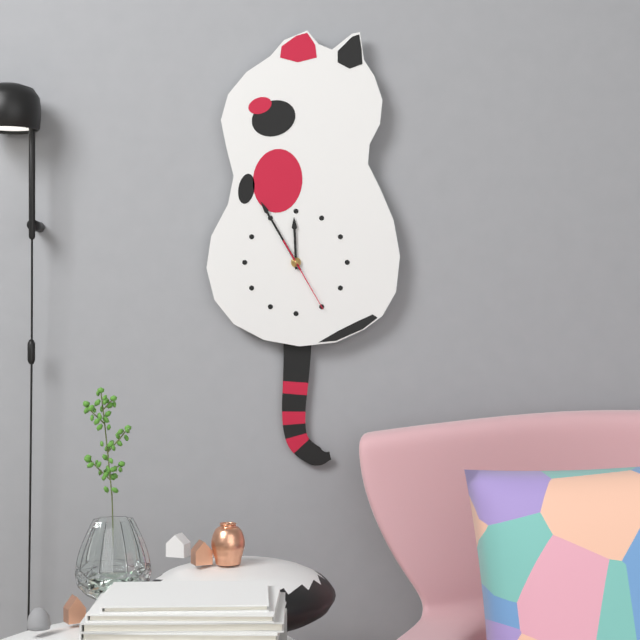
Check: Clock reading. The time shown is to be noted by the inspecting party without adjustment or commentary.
11:55:25
